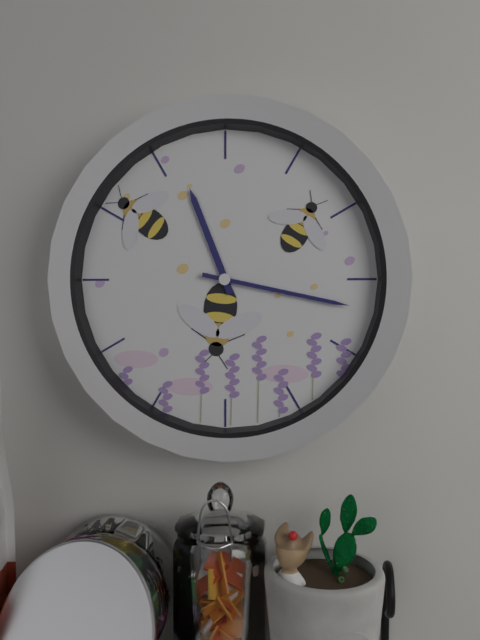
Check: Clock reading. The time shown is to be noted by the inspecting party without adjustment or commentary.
11:17
